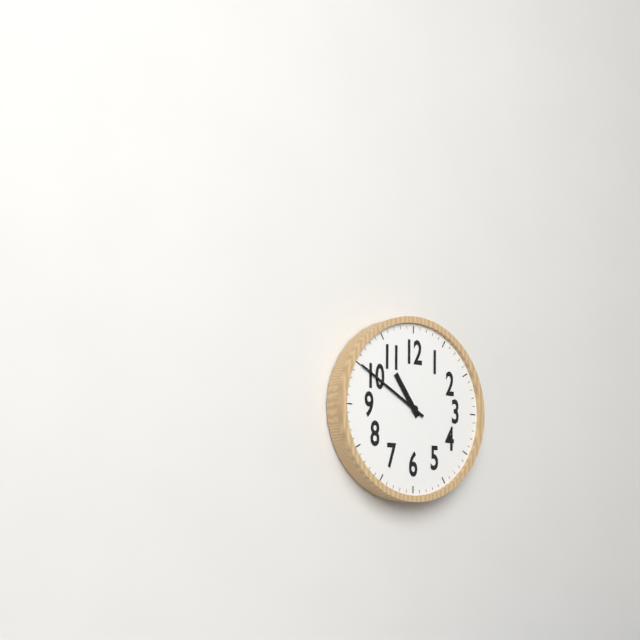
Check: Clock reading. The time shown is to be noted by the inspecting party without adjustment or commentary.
10:50
